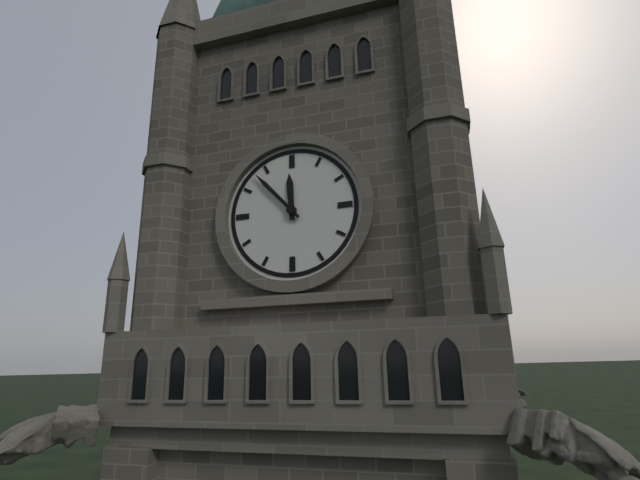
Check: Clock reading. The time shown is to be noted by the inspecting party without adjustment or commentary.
11:53
